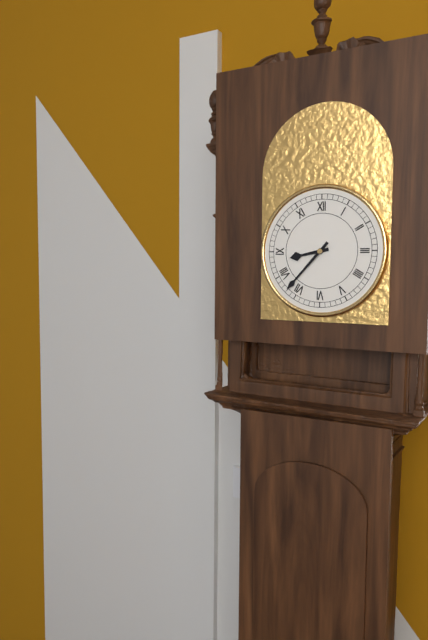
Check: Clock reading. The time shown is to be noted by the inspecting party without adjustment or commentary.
8:37
